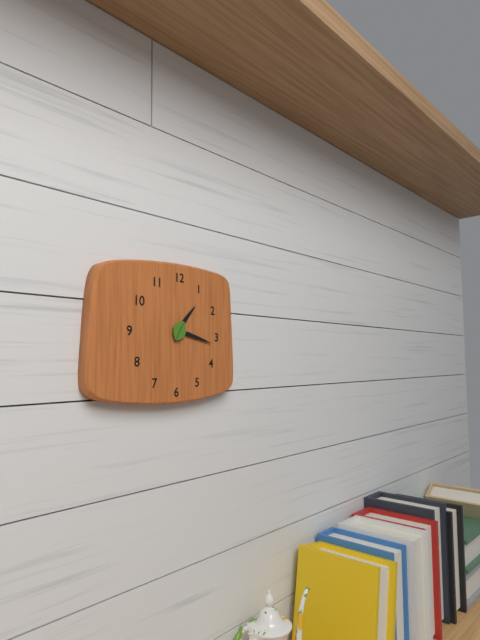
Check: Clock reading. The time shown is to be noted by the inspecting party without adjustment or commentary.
1:17
